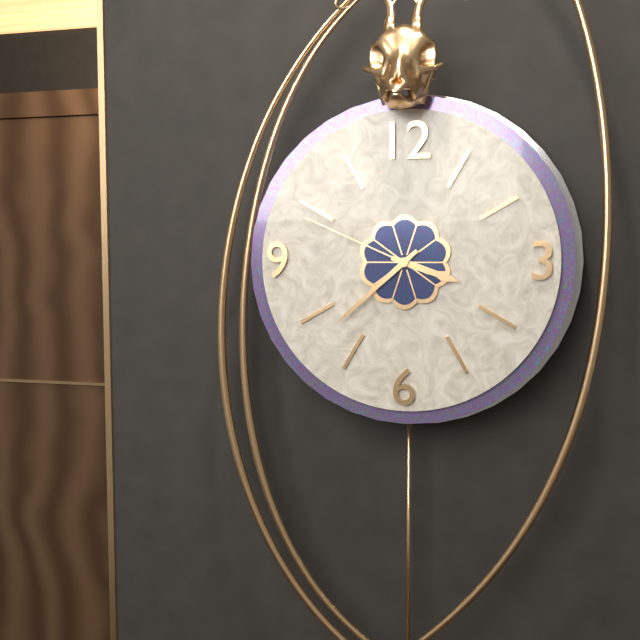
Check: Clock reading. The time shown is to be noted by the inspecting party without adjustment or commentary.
3:38:49
